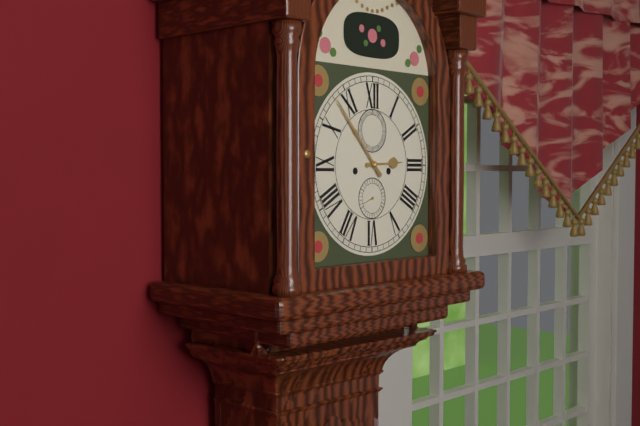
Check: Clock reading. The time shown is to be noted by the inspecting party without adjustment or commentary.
2:53
